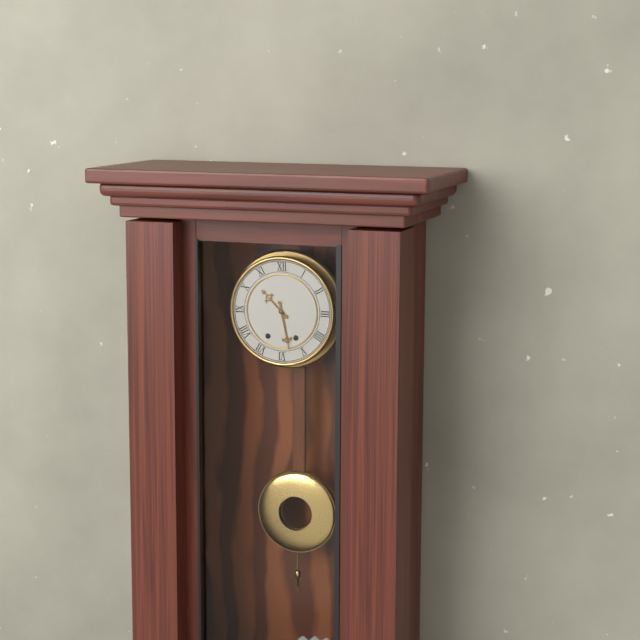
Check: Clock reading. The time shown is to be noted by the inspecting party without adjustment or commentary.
10:28
